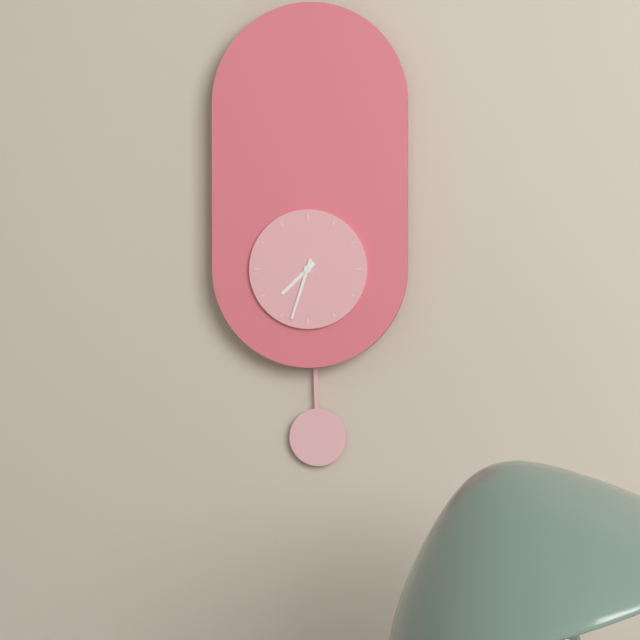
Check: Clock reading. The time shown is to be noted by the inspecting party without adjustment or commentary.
7:33
